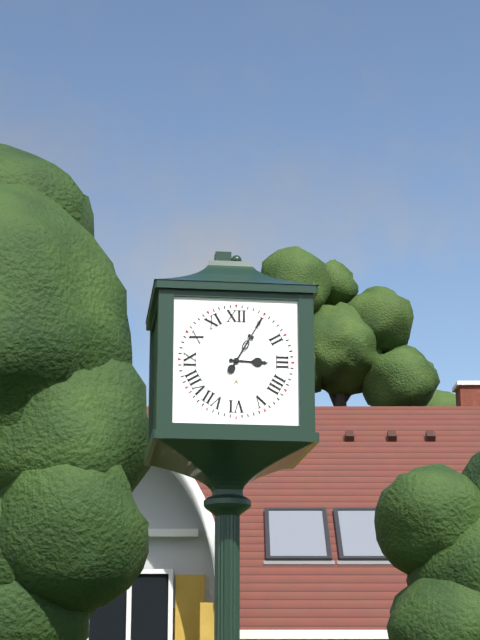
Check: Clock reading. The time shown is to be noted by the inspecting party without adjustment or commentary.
3:05
